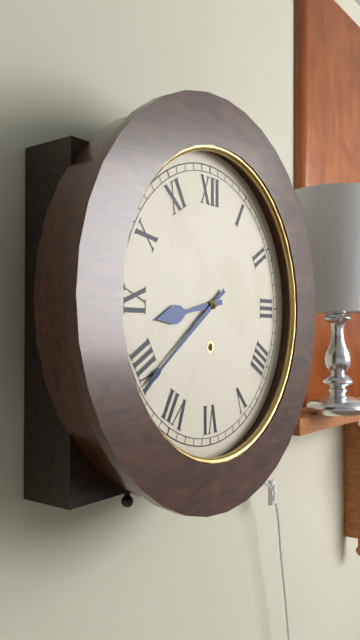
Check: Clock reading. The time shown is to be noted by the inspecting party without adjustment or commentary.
8:39
